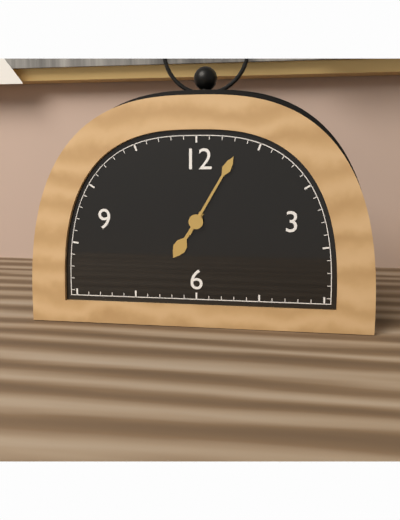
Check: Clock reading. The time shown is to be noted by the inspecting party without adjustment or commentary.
7:05
